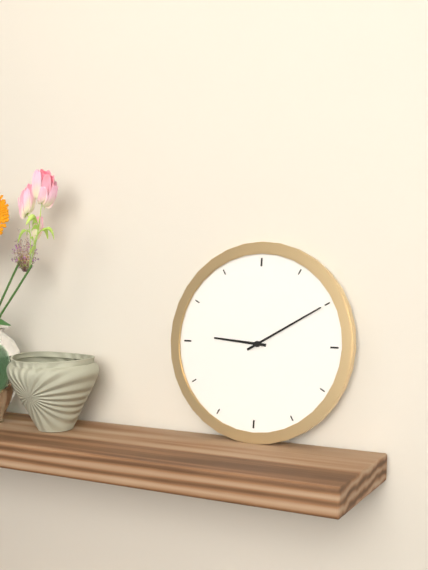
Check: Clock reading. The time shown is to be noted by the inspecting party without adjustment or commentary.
9:10
